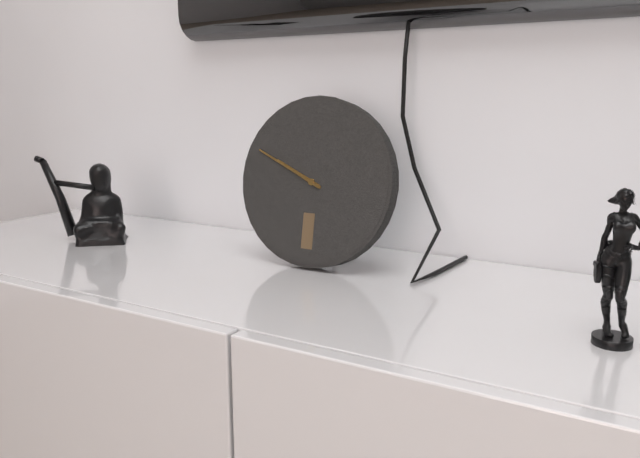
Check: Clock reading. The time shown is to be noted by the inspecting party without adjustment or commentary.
9:49
